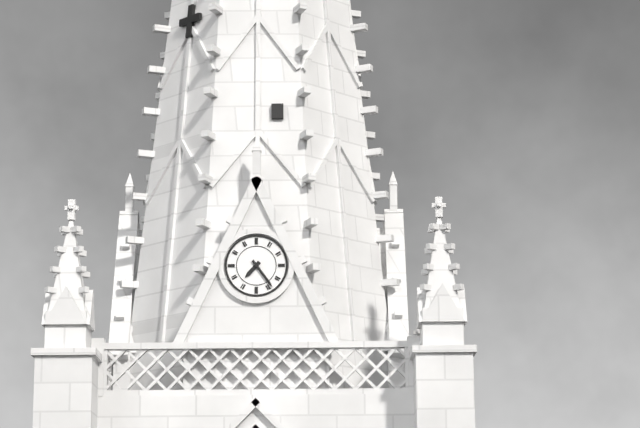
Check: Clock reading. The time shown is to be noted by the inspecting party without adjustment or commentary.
7:24
